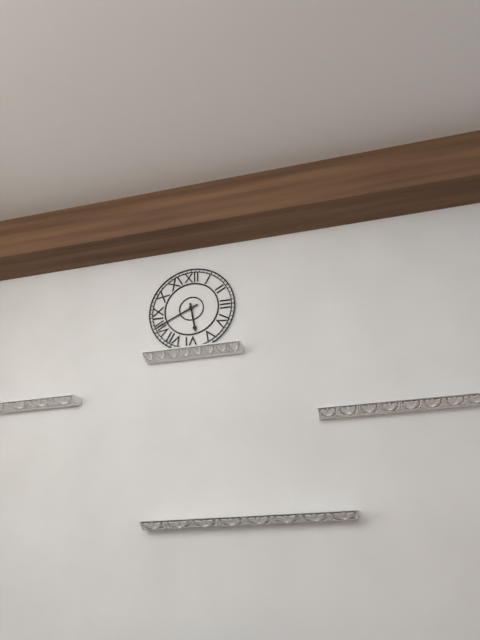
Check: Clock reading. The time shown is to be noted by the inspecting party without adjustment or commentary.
5:41
